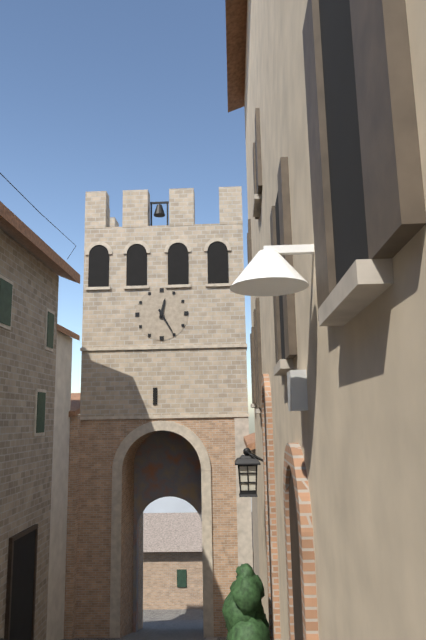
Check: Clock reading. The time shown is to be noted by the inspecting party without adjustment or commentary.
12:25
